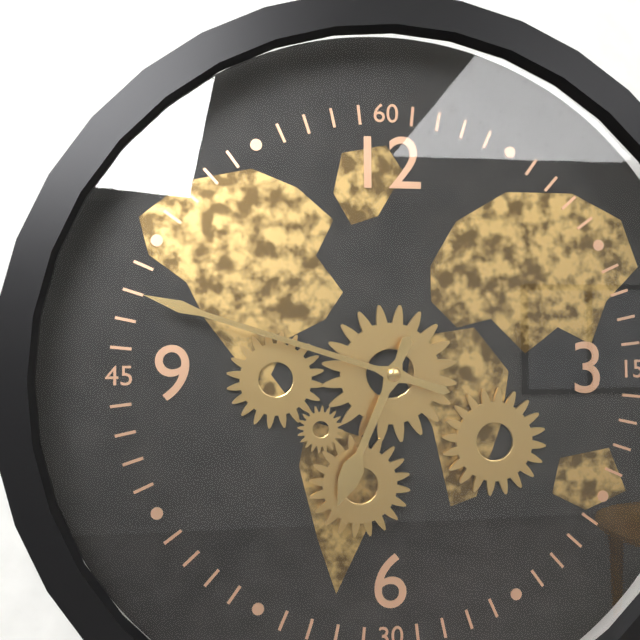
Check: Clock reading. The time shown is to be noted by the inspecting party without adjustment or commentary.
6:48
